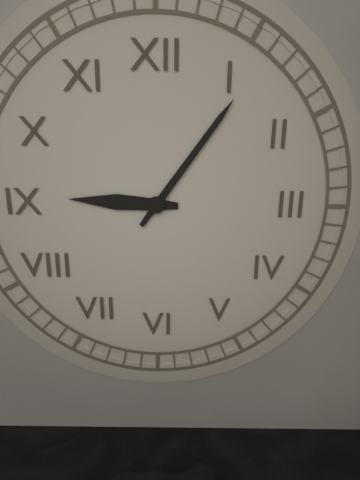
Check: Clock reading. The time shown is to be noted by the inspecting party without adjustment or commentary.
9:06
